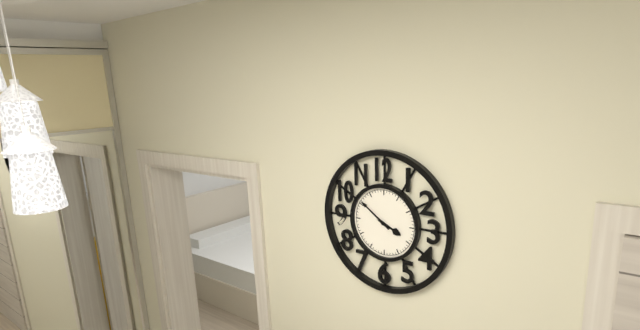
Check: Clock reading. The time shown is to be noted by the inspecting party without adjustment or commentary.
3:51
